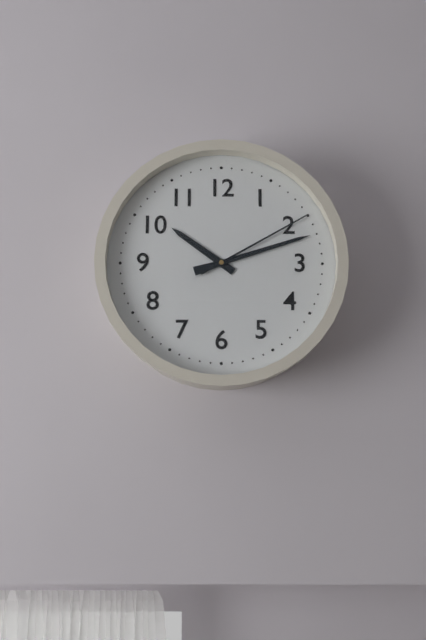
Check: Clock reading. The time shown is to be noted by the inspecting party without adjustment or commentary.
10:12:10
